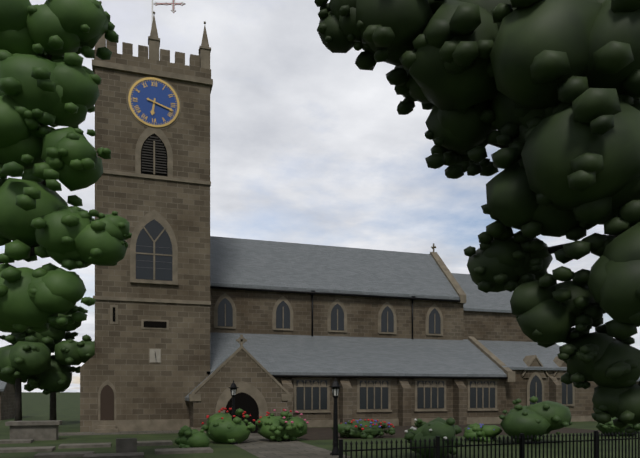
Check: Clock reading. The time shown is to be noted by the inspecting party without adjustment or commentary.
6:18
